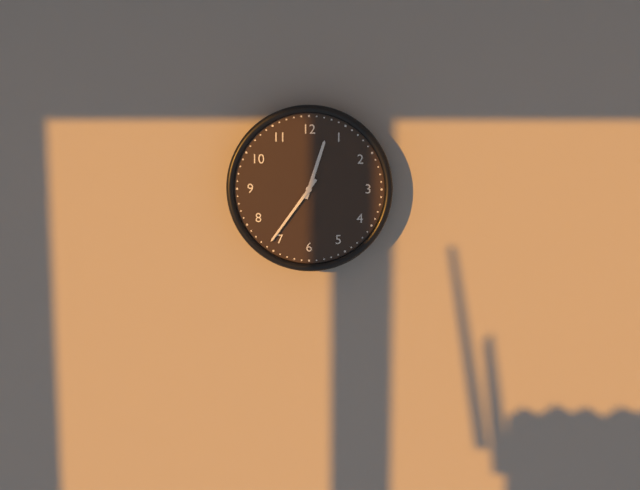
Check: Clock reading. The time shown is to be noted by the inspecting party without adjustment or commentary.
12:36
